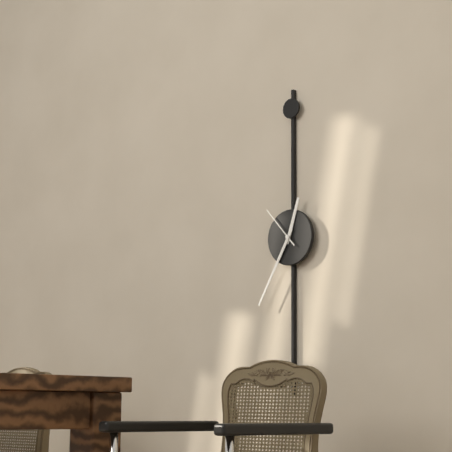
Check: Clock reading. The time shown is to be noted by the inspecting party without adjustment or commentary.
12:35
